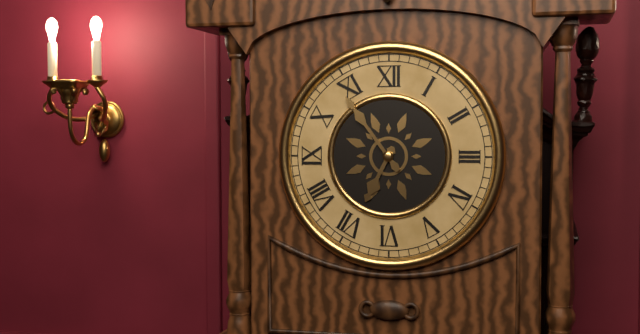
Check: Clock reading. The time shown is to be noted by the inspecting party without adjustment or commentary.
6:54
